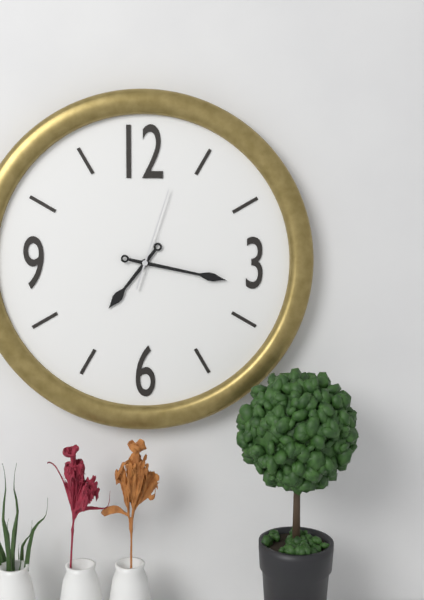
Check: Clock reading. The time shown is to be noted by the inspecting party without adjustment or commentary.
7:17:03
